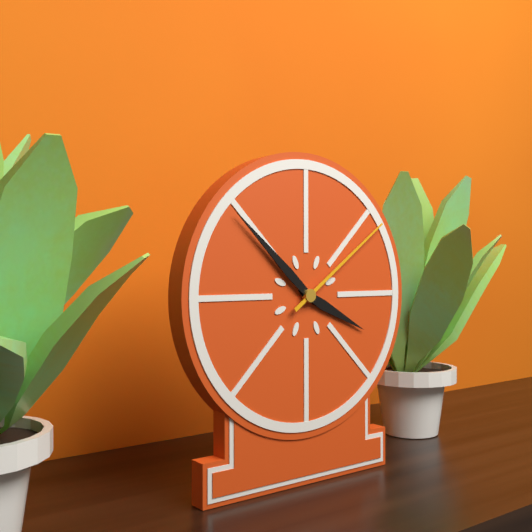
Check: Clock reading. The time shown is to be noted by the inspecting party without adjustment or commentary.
3:52:09
